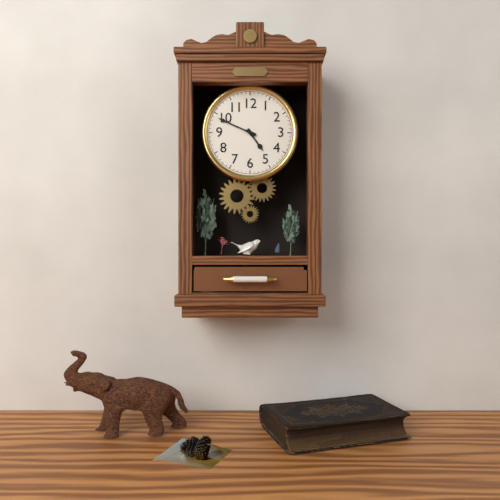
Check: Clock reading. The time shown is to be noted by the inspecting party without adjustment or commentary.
4:49
